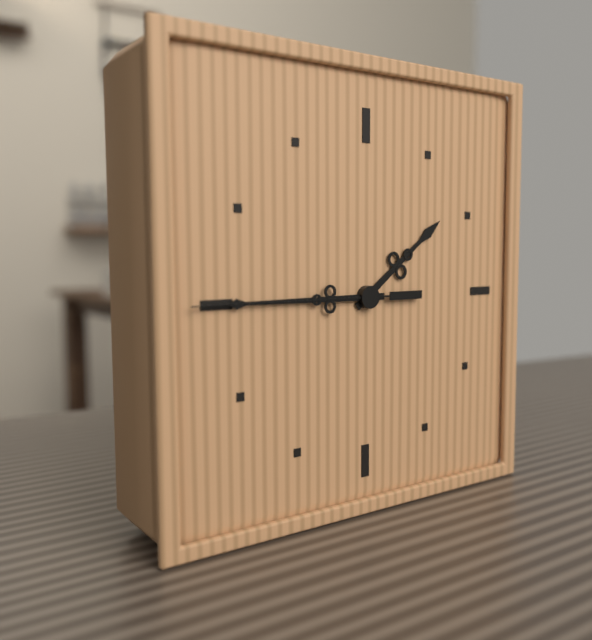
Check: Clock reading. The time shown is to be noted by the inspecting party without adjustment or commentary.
1:45:45
